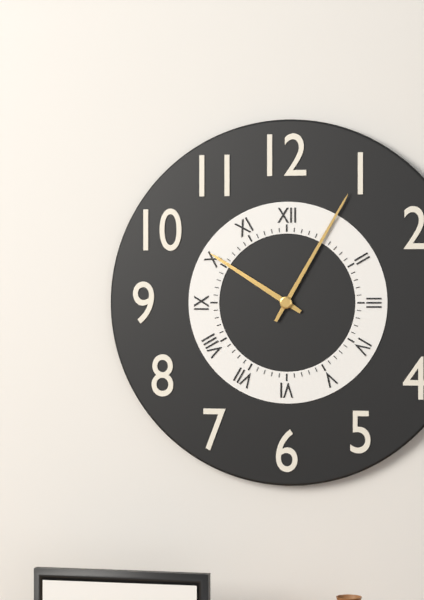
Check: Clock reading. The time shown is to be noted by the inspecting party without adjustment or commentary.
10:05
